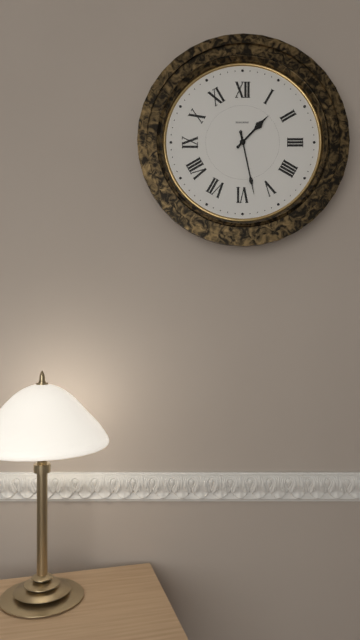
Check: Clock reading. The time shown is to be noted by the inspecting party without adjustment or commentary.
1:28
